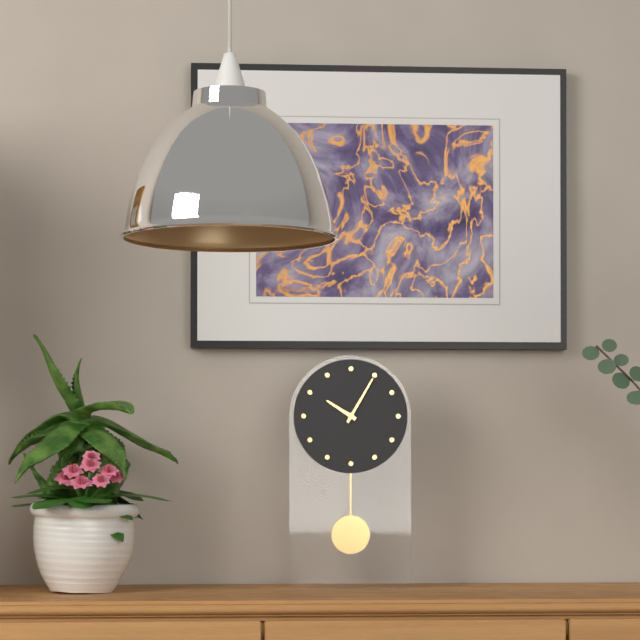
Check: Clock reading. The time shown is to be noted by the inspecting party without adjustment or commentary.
10:05
